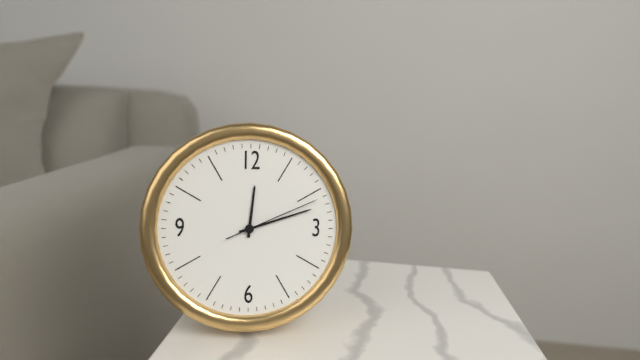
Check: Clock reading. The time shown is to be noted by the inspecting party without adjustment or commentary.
12:12:11
